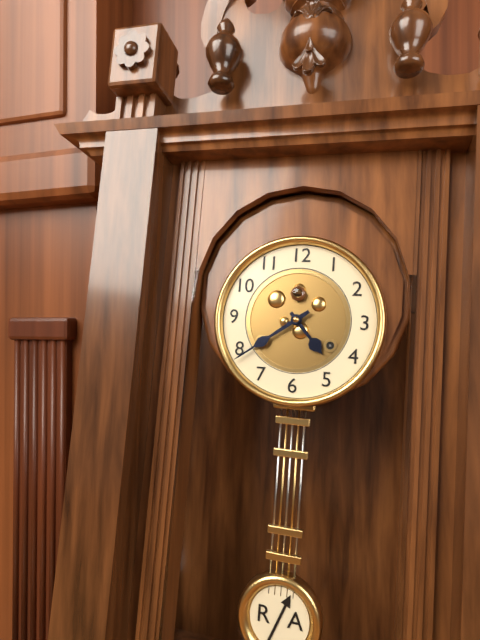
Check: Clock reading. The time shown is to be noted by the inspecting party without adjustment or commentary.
4:39
